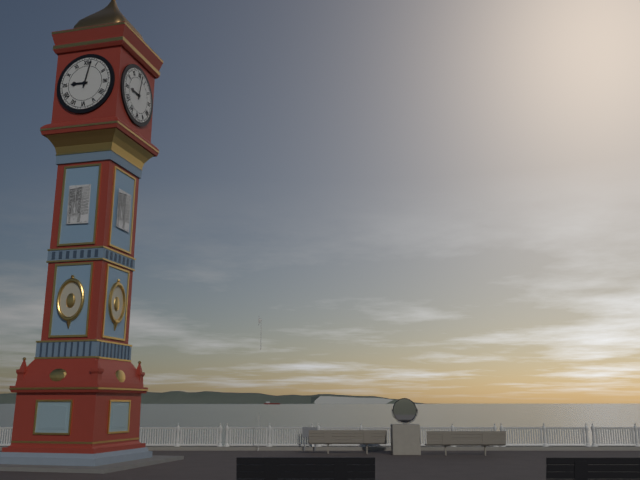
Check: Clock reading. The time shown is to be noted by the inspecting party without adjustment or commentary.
9:02
